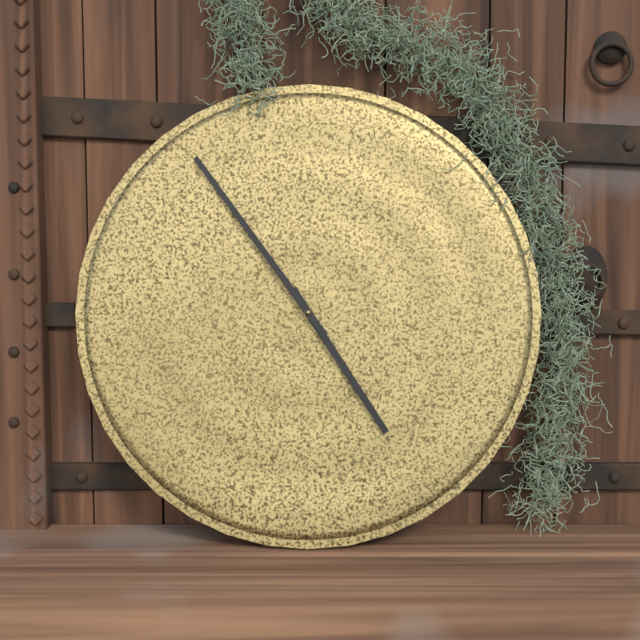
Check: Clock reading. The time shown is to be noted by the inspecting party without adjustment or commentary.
4:54
